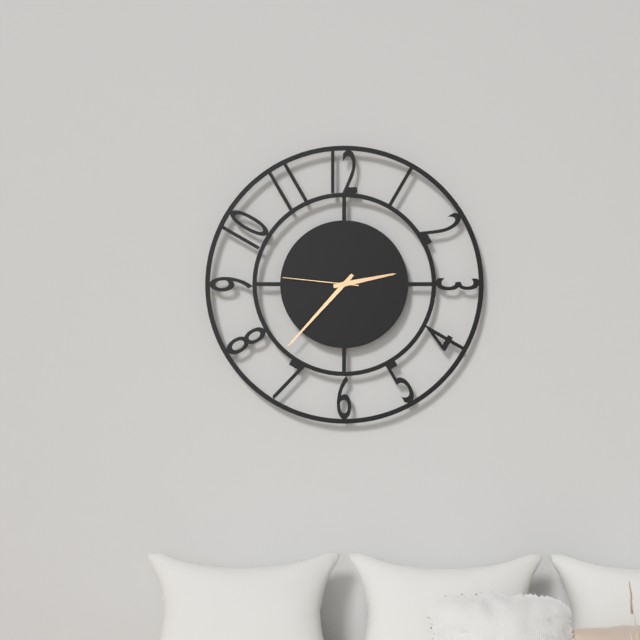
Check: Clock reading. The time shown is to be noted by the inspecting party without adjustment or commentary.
2:37:46
